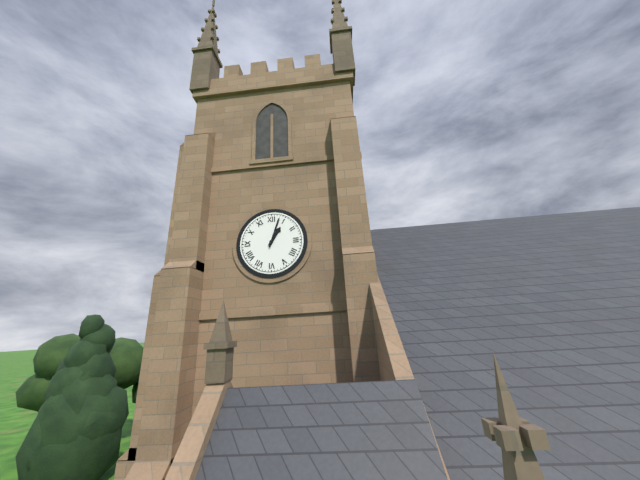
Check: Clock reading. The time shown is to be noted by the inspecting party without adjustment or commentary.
1:03
